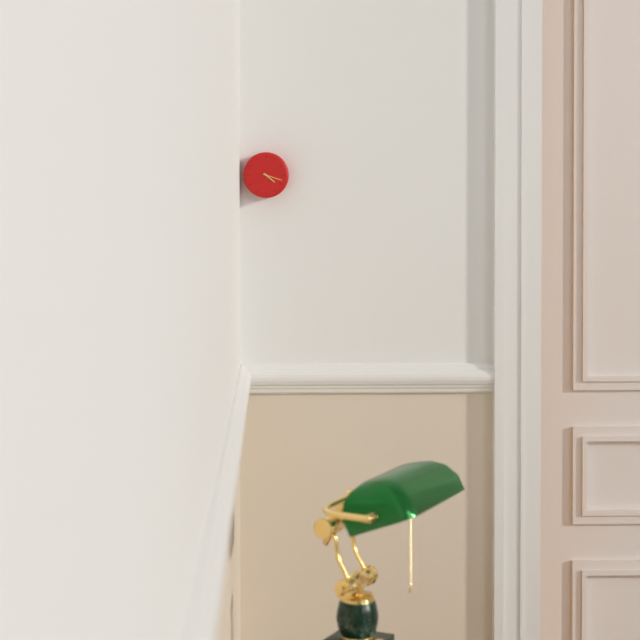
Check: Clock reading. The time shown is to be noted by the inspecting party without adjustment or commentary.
4:18
